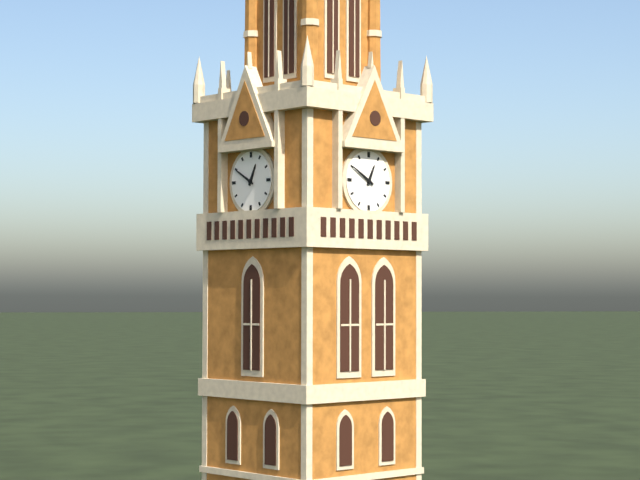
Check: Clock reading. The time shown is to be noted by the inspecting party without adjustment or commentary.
12:50
